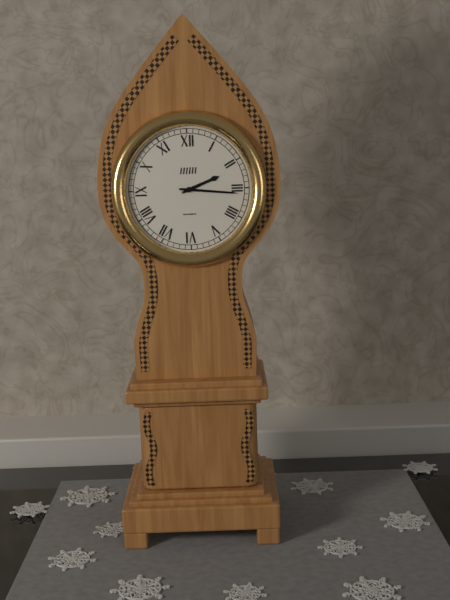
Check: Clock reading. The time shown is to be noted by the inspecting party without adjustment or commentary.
2:16
